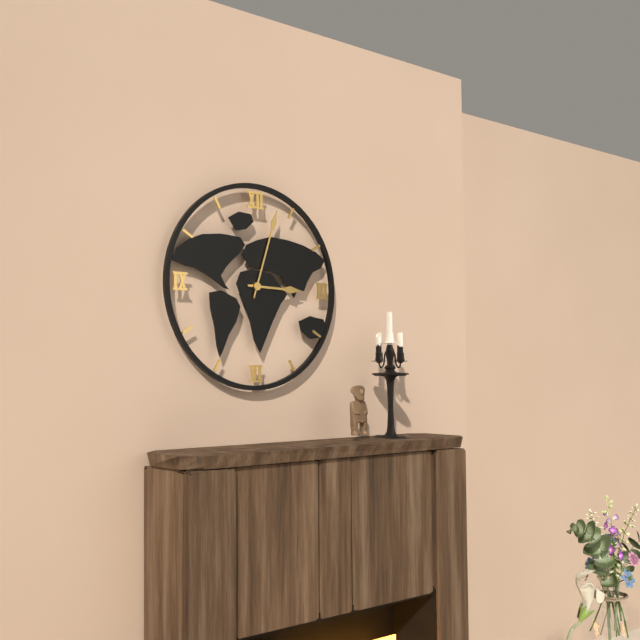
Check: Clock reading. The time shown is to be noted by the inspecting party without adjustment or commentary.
3:03
